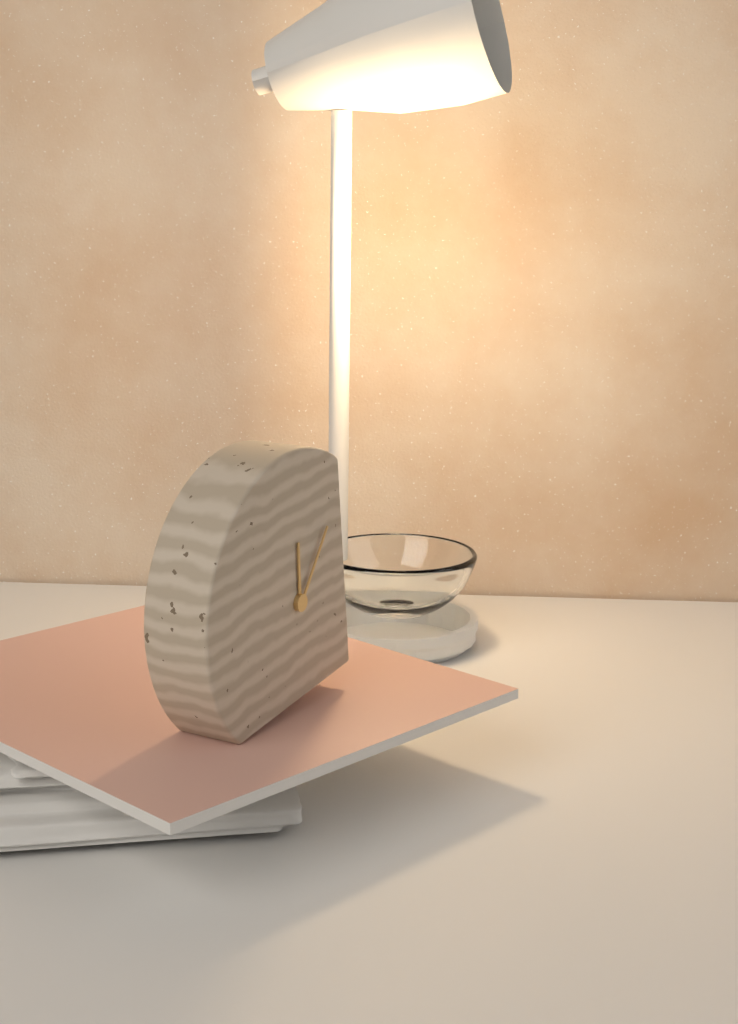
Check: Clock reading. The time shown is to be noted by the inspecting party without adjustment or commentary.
12:07
